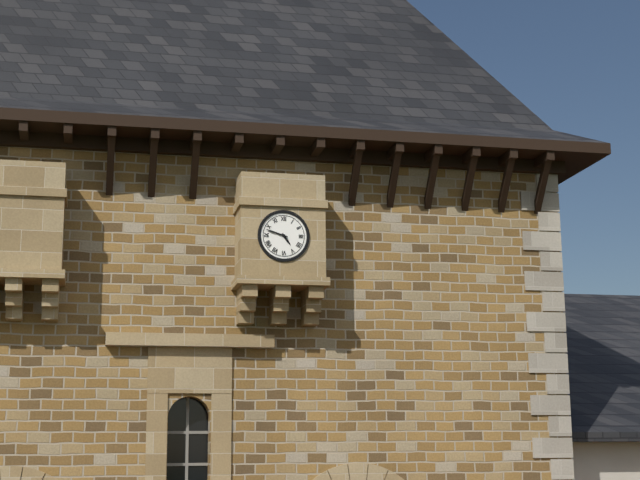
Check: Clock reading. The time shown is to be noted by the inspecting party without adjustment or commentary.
4:48
